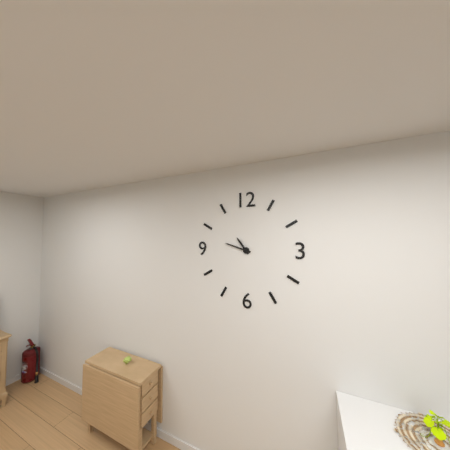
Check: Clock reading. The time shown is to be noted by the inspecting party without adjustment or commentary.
10:48
